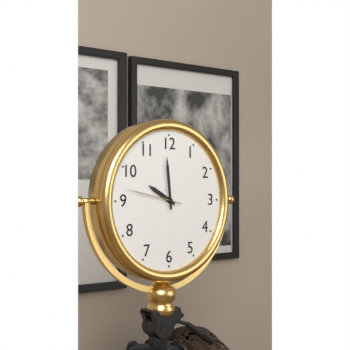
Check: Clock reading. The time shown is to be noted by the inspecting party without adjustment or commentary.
9:59:47
